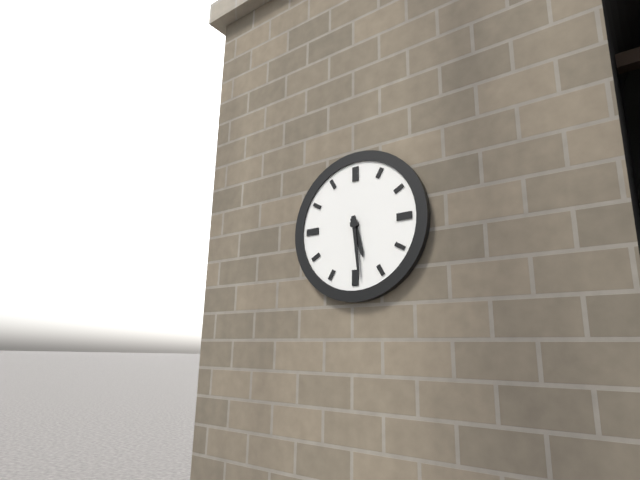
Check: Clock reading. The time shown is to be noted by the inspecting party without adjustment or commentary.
5:29
